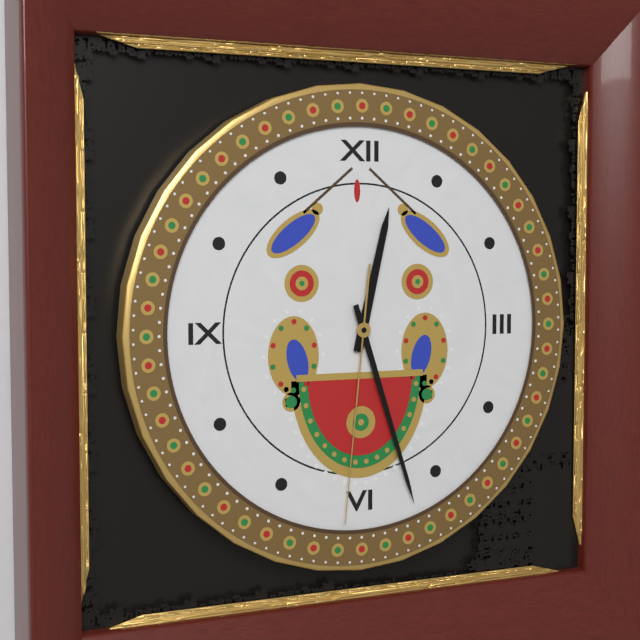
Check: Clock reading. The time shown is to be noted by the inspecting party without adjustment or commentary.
12:27:31
